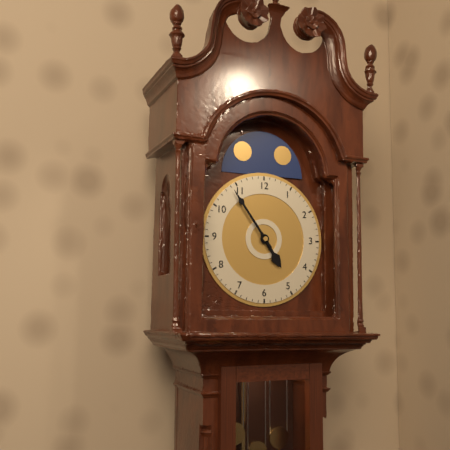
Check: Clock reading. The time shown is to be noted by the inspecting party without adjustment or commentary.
4:54
